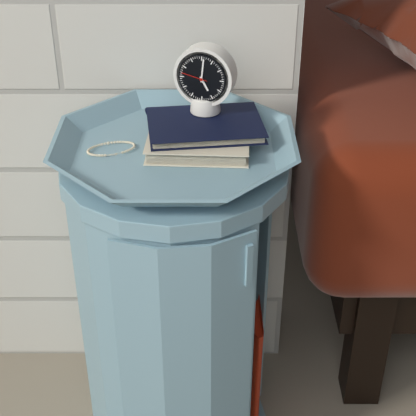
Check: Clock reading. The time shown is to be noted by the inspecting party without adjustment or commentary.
5:01
